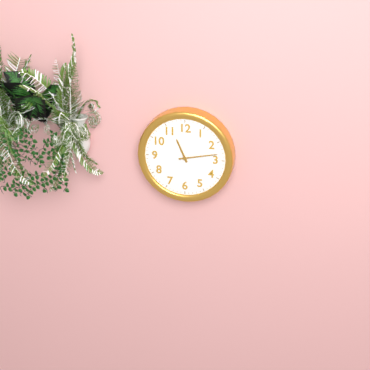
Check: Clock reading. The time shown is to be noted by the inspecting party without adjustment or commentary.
11:13
